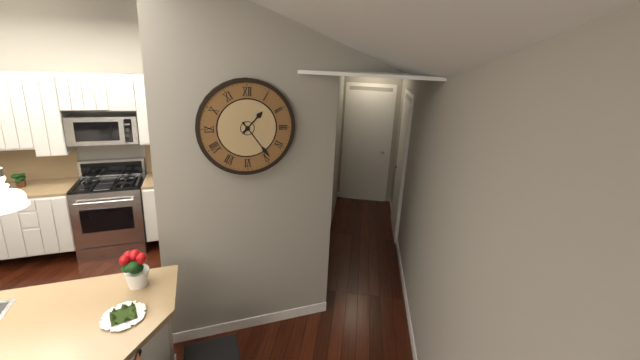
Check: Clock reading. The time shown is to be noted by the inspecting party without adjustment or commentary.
1:24
